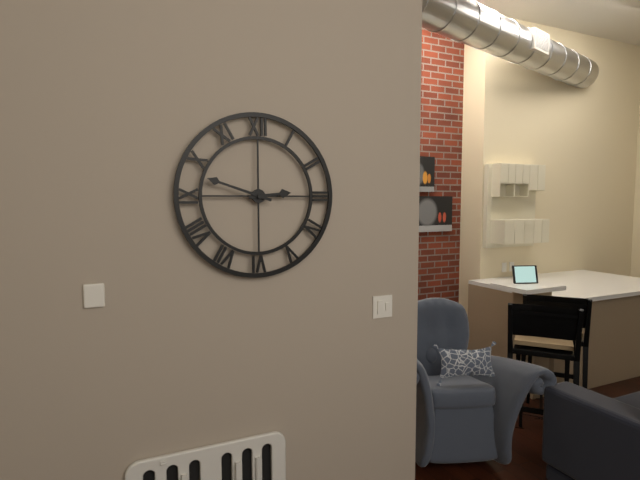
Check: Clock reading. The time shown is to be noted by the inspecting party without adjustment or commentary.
2:48
